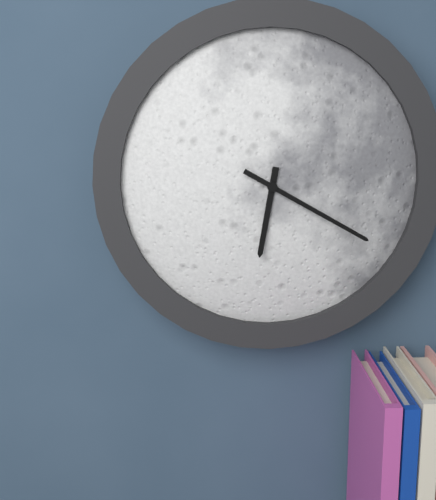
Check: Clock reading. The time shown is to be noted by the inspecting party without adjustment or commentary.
6:20
